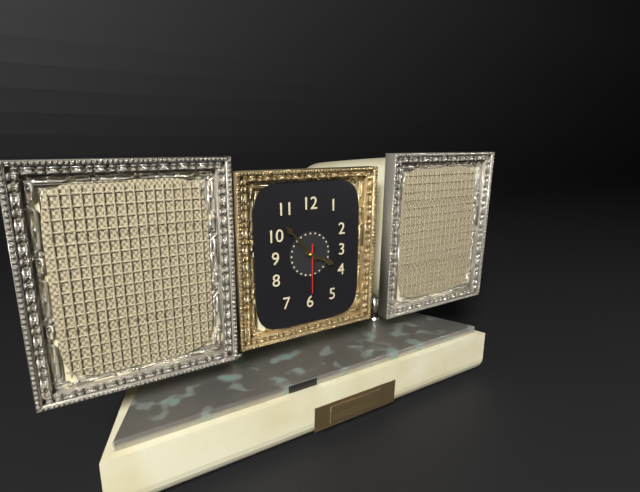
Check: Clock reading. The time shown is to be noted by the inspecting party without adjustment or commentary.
3:53
